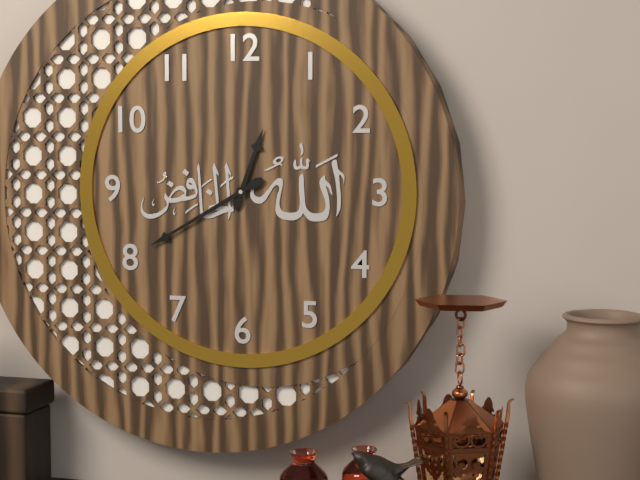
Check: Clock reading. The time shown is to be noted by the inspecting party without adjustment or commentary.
12:40
